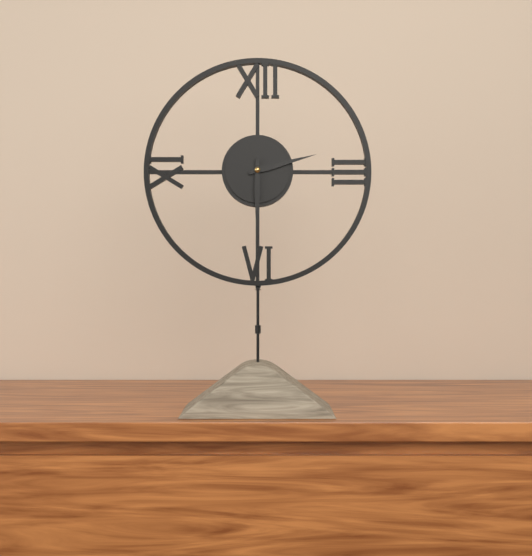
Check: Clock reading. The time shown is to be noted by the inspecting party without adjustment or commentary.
2:30
